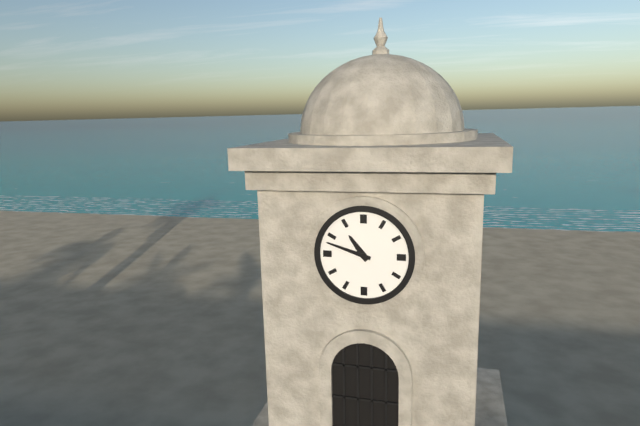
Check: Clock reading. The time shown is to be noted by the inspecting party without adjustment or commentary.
10:48
